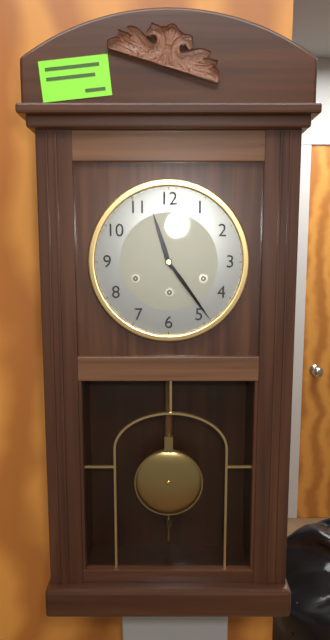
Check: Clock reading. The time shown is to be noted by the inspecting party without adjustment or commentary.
11:24
